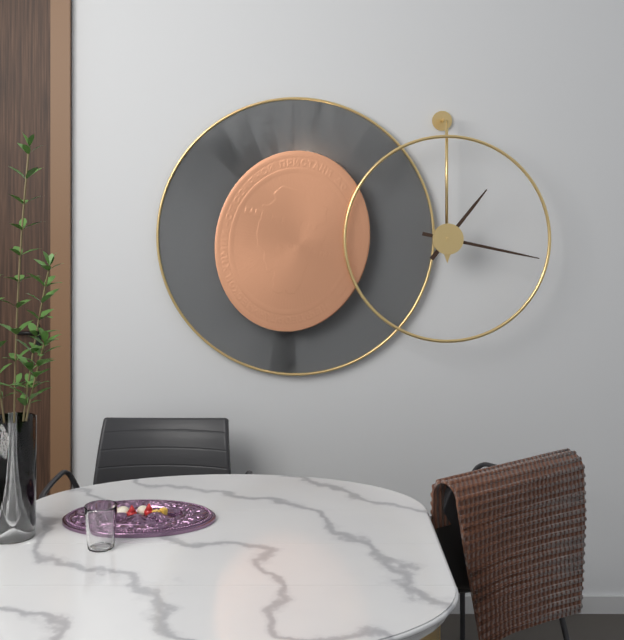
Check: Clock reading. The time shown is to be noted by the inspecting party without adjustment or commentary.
1:17
